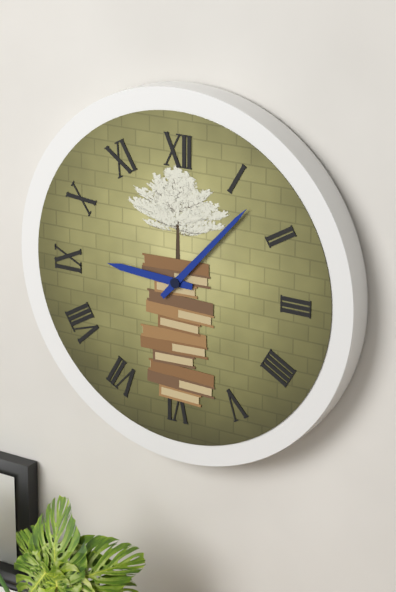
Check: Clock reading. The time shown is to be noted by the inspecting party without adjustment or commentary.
9:07
